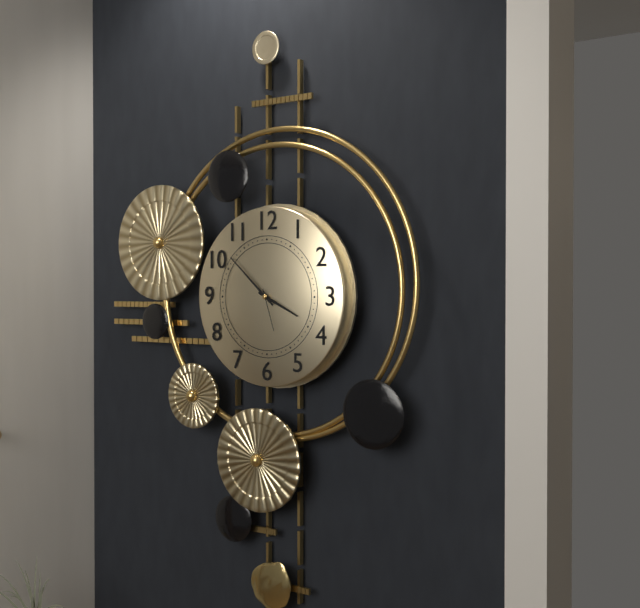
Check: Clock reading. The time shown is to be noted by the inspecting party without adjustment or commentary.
3:52
